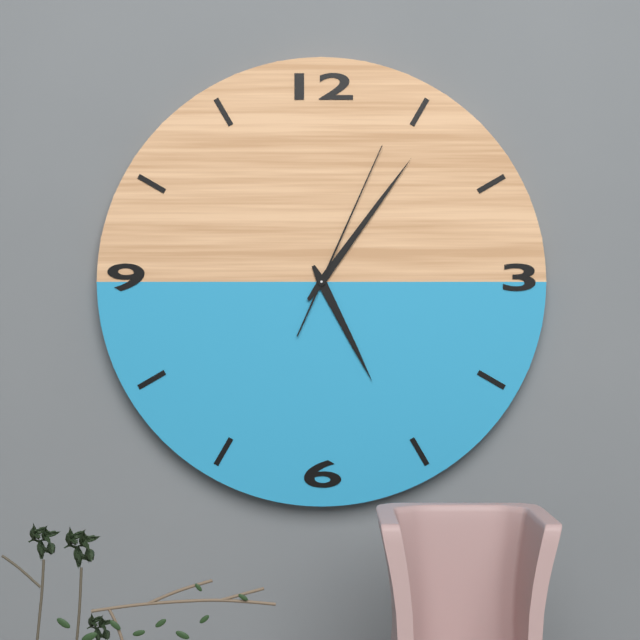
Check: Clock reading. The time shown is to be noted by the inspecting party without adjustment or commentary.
5:06:04
